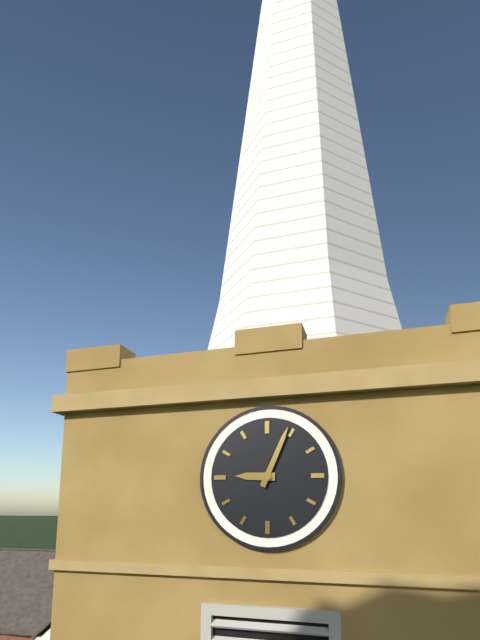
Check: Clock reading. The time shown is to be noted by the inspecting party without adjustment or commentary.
9:04
